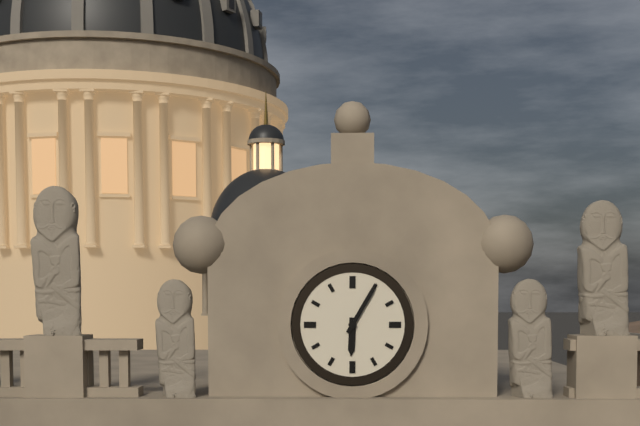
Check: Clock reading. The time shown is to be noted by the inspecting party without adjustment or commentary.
6:05
